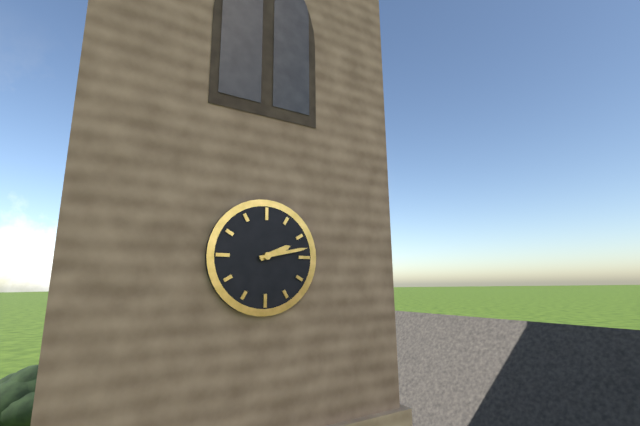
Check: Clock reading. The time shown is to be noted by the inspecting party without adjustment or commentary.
2:13
